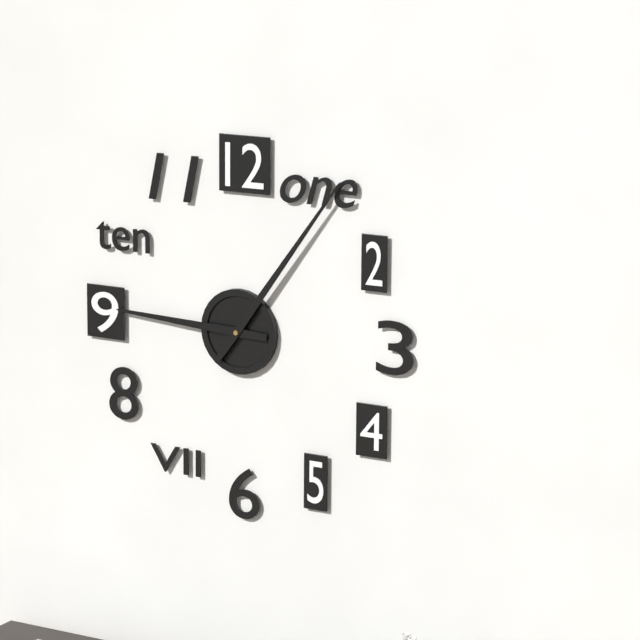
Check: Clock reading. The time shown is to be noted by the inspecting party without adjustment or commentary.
9:06
